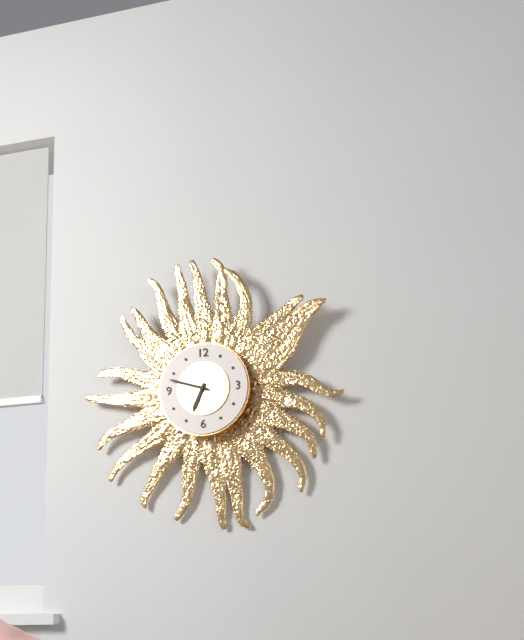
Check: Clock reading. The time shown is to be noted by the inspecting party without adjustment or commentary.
6:48
